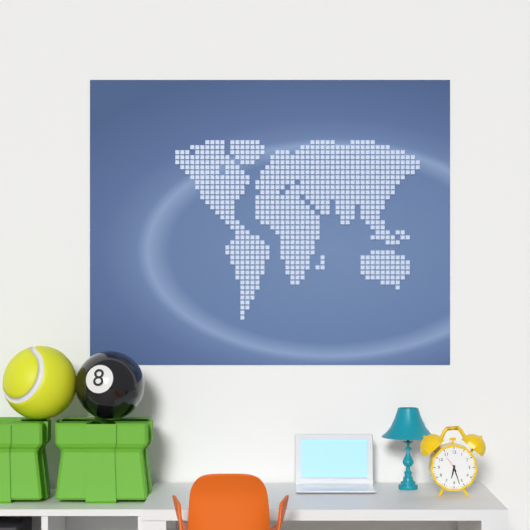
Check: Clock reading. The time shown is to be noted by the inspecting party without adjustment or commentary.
6:27
